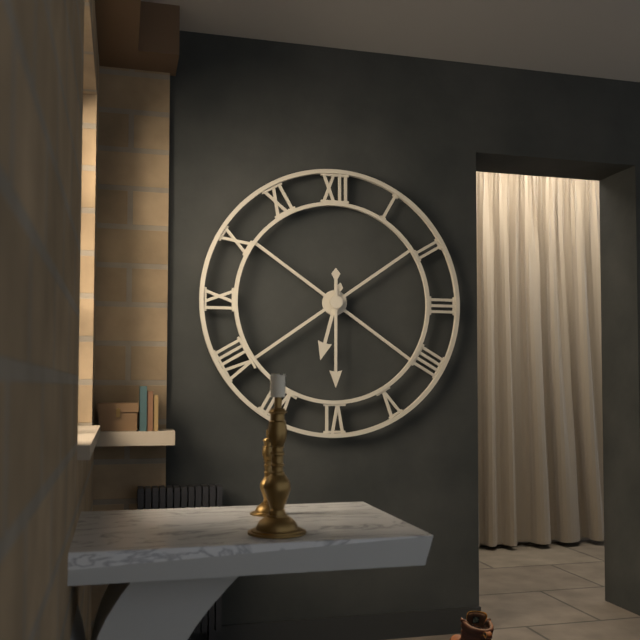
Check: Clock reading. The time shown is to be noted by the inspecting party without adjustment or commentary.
6:30
